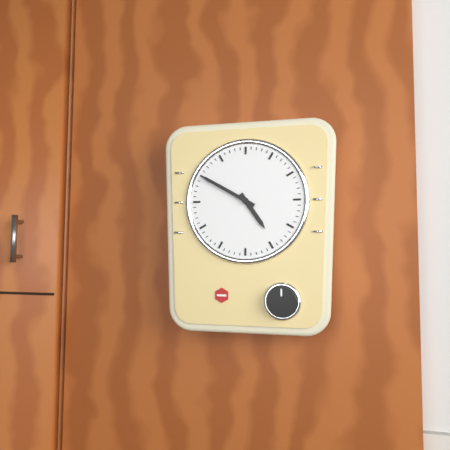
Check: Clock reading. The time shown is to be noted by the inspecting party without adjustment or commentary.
4:50
